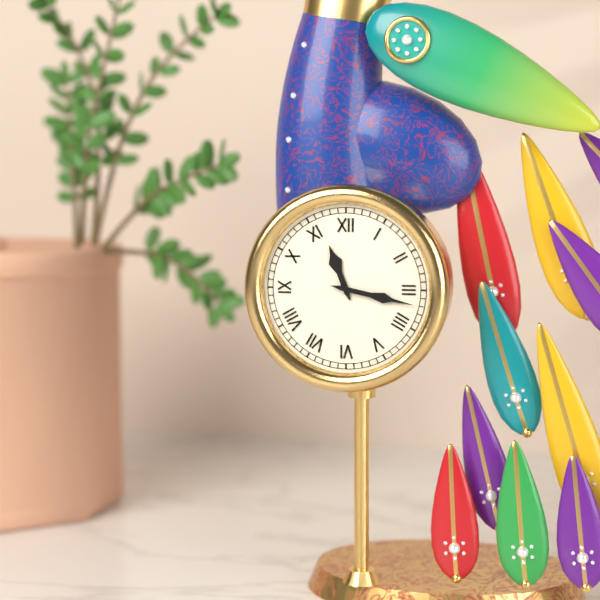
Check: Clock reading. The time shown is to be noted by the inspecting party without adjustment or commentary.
11:17
